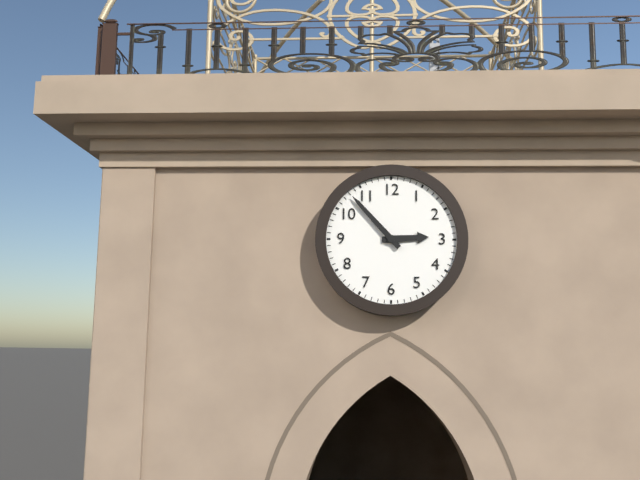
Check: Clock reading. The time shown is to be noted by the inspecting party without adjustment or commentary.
2:53
